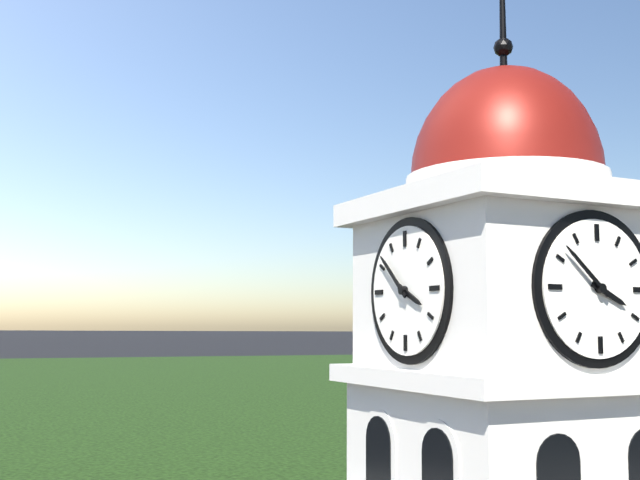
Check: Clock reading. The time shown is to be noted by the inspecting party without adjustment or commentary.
3:52
